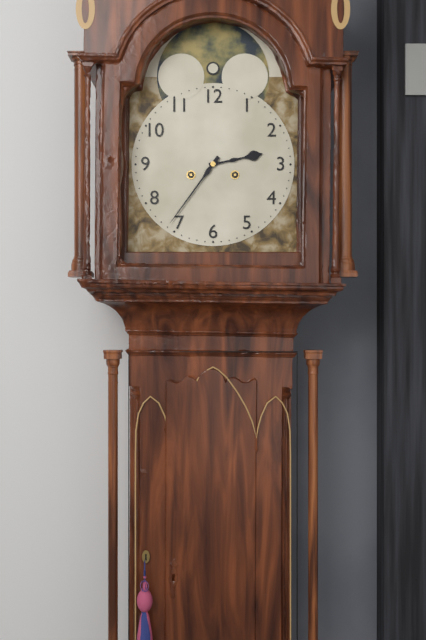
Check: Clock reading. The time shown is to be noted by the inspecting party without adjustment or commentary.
2:36
